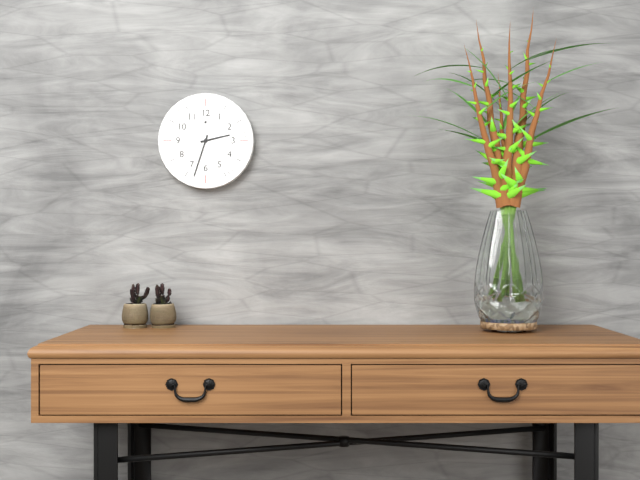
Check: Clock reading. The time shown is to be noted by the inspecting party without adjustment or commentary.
2:33
